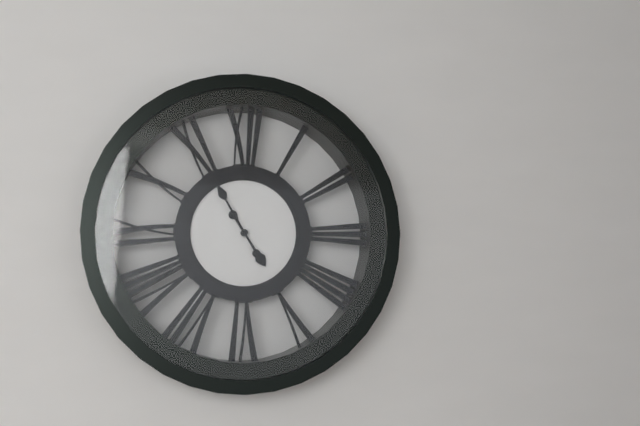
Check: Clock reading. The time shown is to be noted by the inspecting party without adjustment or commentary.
4:55
